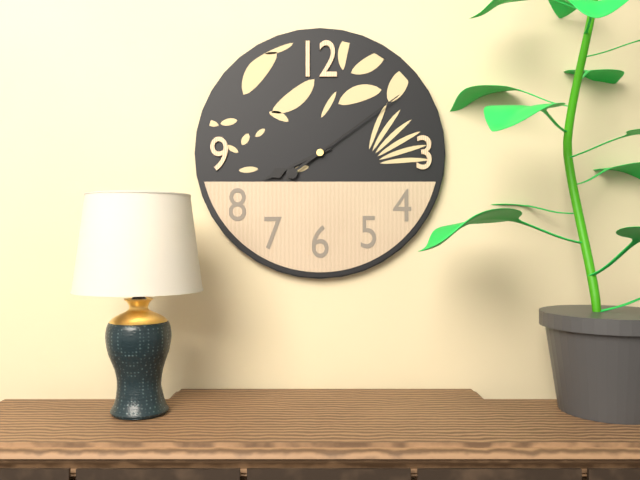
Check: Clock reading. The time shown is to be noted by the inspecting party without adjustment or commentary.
8:09
